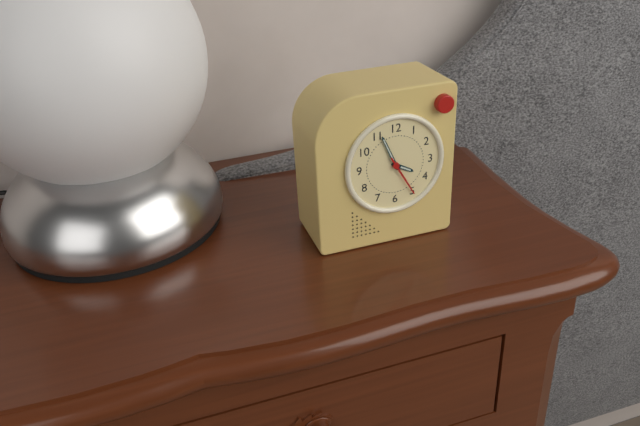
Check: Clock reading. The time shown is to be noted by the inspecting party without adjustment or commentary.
3:56
